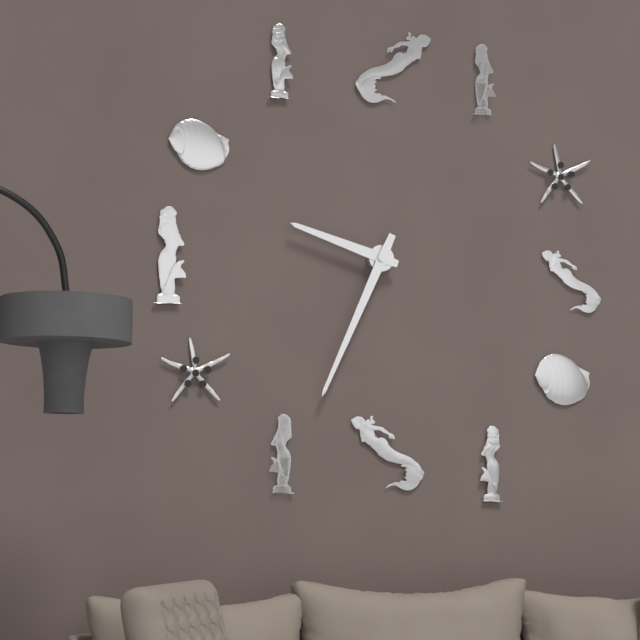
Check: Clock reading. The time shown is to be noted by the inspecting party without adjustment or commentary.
9:34
